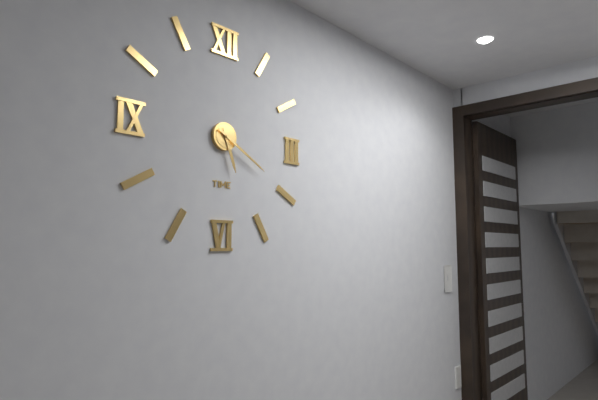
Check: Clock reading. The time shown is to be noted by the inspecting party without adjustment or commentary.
5:20
